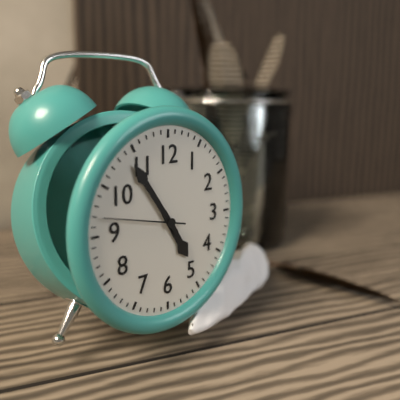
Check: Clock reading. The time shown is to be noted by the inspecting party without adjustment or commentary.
4:54:47
